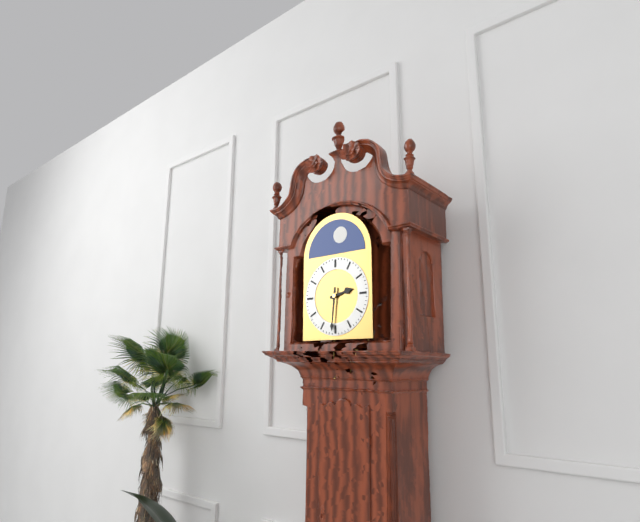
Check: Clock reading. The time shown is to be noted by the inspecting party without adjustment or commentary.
2:31
